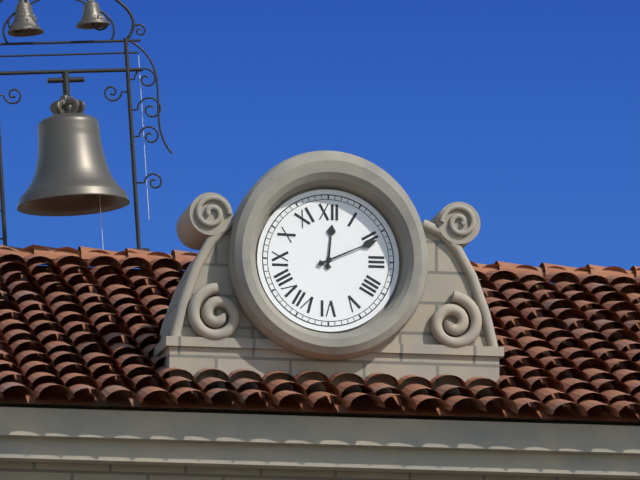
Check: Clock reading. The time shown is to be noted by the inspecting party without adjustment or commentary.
12:11
